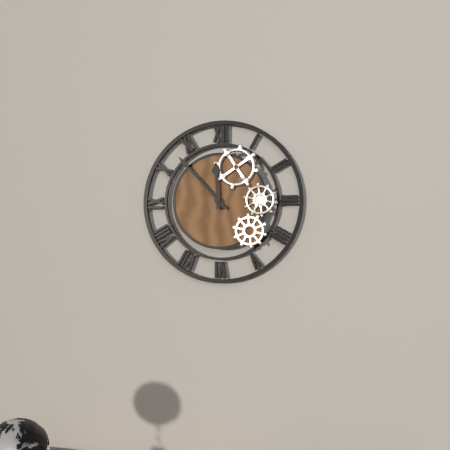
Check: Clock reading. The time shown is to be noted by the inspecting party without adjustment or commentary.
11:53
